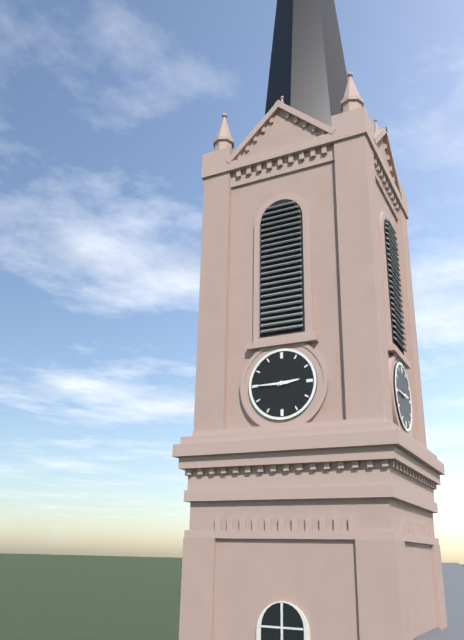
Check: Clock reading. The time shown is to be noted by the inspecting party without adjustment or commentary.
2:45
